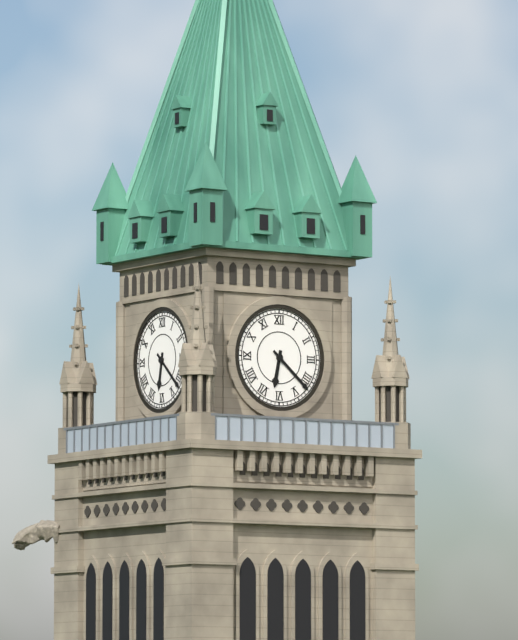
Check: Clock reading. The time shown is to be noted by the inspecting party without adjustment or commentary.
6:22
